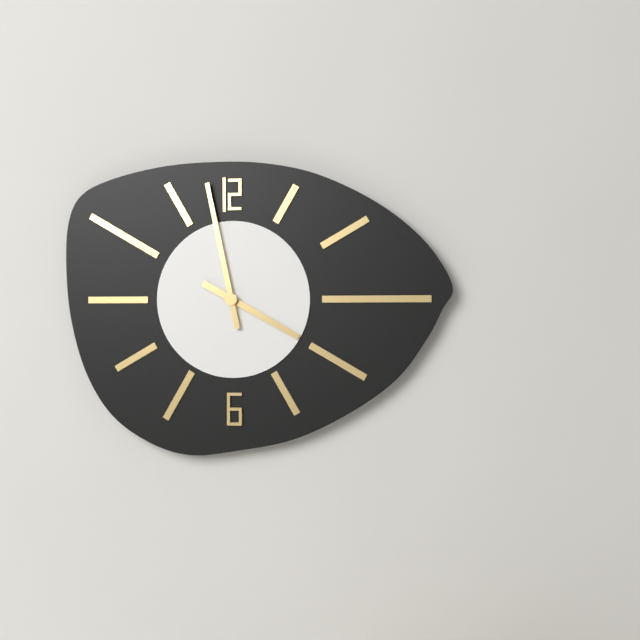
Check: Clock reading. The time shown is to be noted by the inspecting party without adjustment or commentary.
3:58
